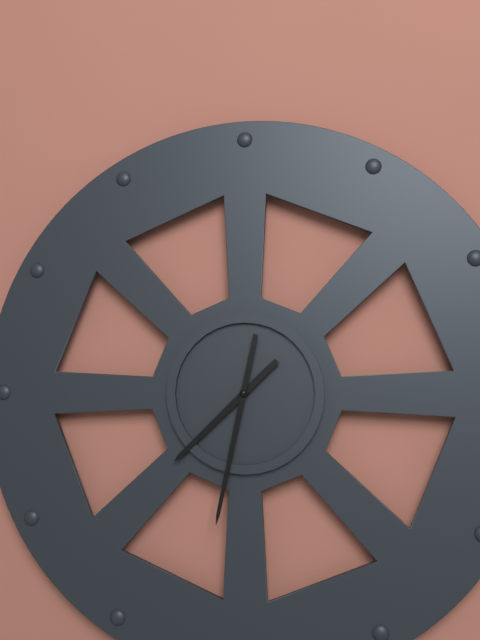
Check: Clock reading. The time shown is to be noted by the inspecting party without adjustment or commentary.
7:32
